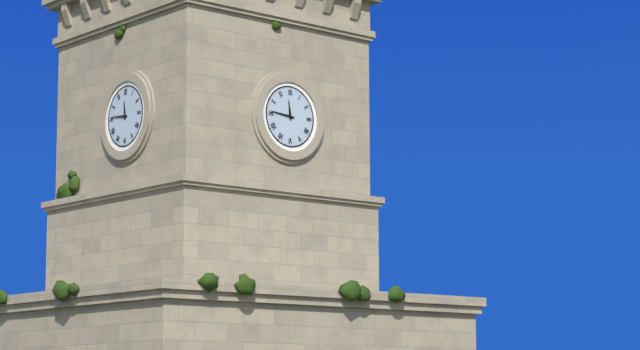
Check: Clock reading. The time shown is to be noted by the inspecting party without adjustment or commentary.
11:46
